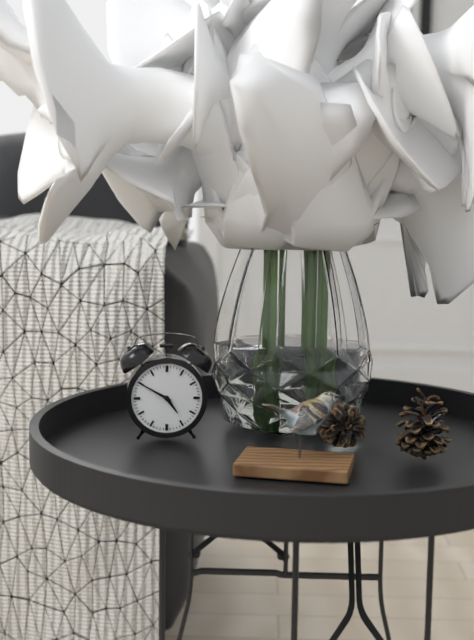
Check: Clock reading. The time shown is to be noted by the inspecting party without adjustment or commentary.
4:50
